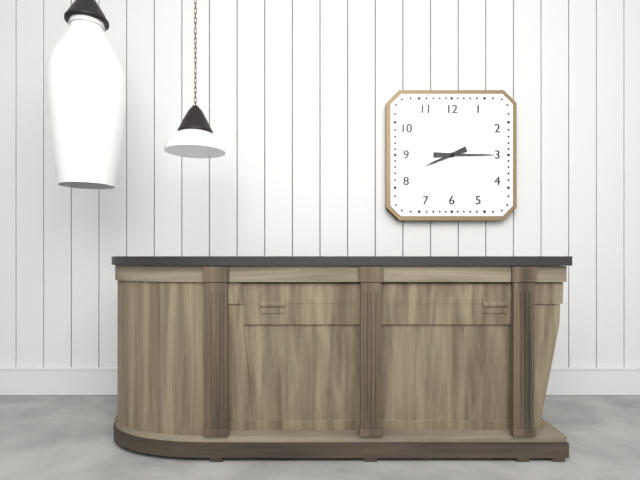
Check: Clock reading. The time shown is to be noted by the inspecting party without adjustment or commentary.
8:15
